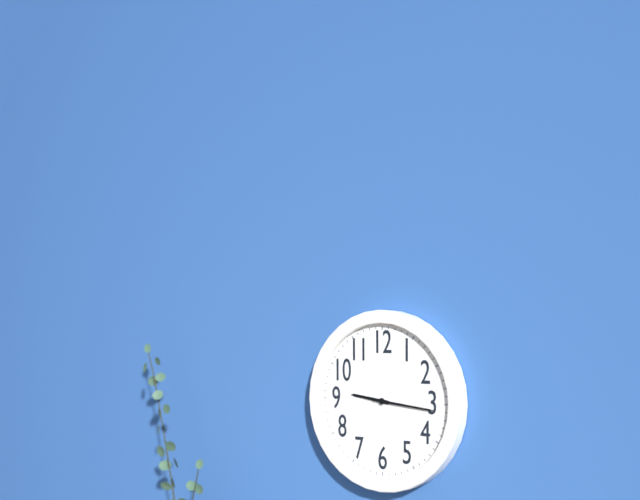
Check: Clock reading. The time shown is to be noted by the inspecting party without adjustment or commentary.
9:16
